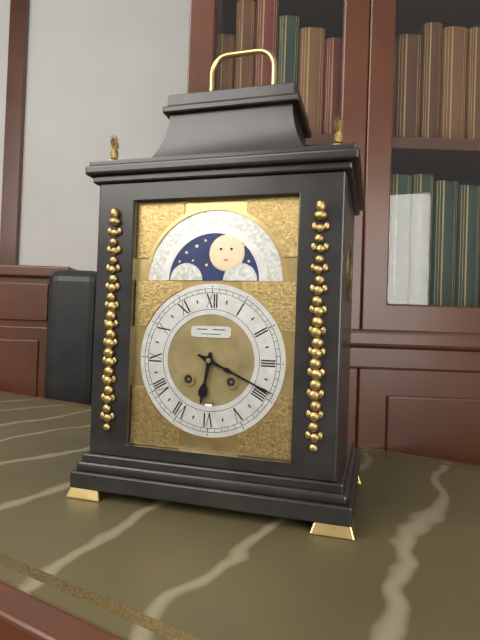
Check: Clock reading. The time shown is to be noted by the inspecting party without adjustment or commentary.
6:19
